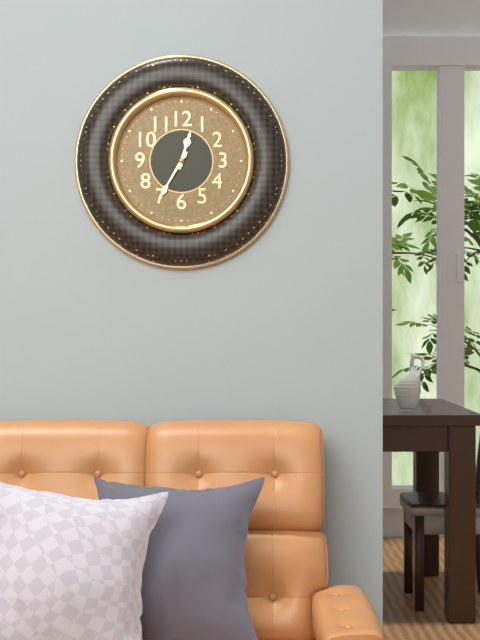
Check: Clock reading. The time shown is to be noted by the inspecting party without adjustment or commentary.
12:35
